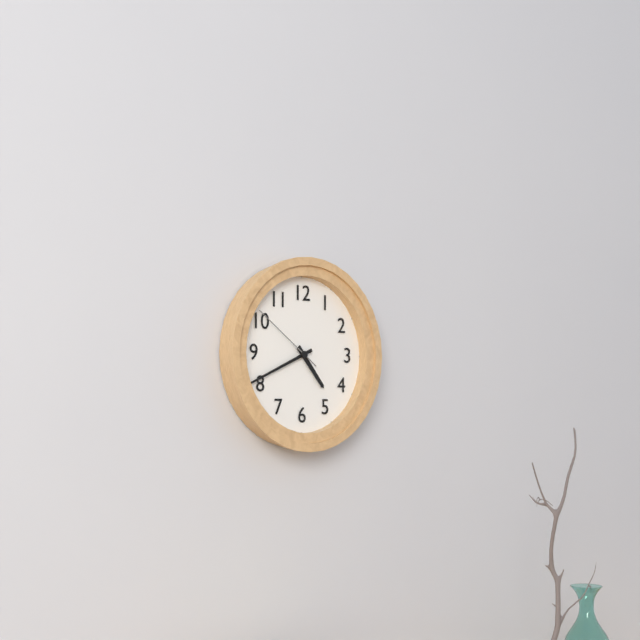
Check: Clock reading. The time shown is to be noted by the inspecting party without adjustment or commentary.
4:41:51
